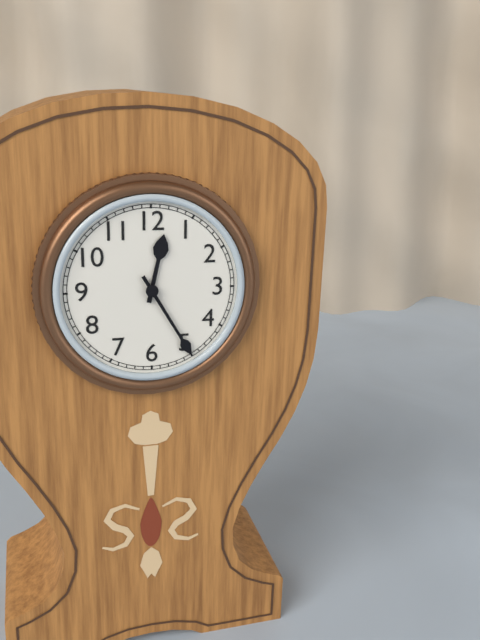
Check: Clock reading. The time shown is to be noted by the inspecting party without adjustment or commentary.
12:25
